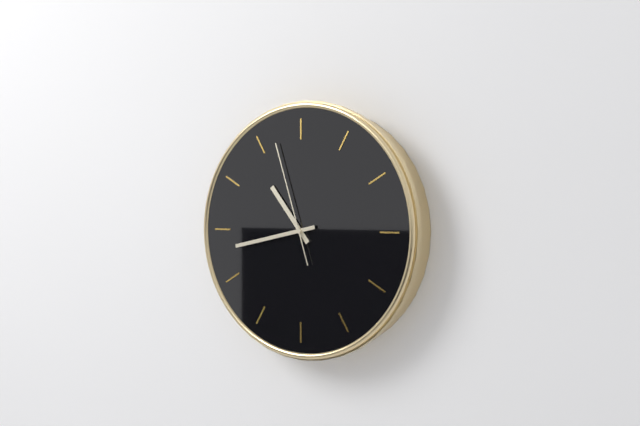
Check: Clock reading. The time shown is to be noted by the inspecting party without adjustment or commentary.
10:43:57
